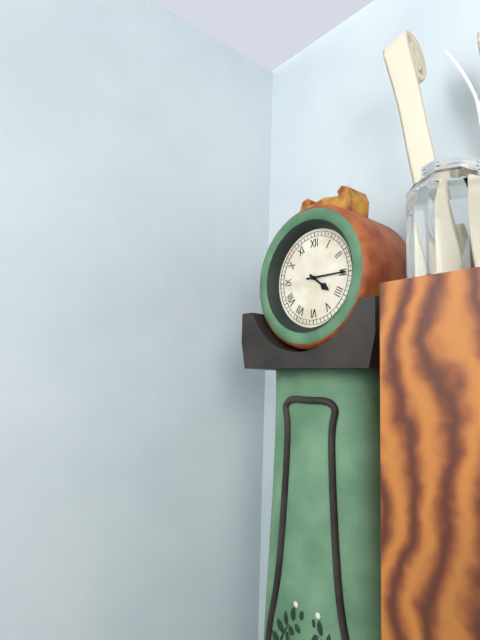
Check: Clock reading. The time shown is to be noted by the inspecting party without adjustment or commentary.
4:15
